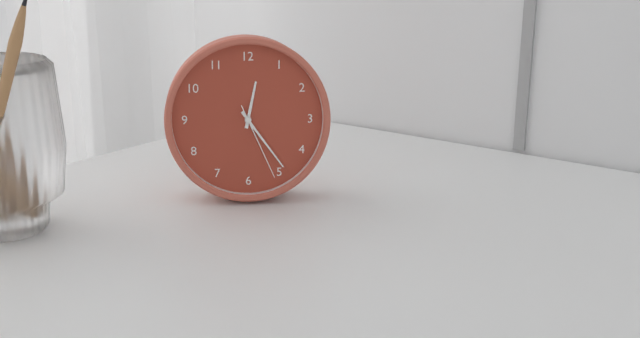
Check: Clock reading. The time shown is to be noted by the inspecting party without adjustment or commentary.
12:24:26
